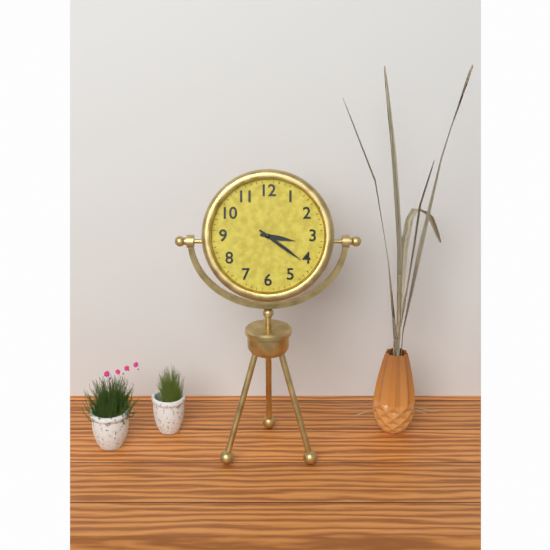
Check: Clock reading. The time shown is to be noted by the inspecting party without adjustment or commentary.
3:21
